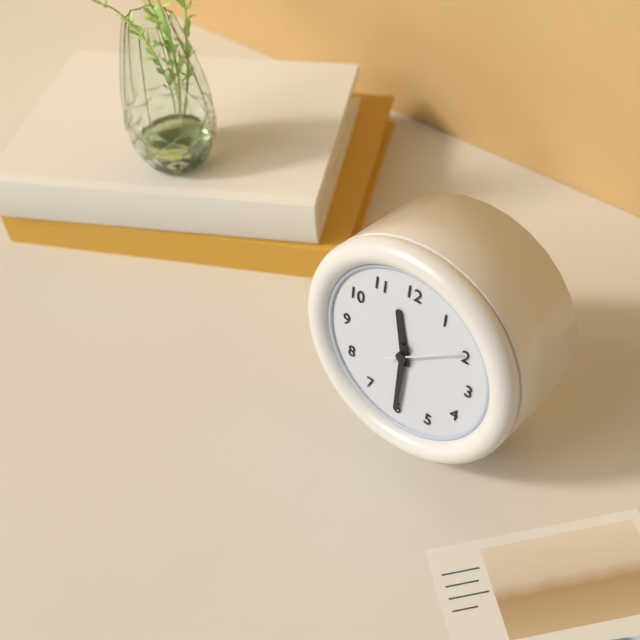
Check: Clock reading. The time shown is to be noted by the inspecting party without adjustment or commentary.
11:30:09
